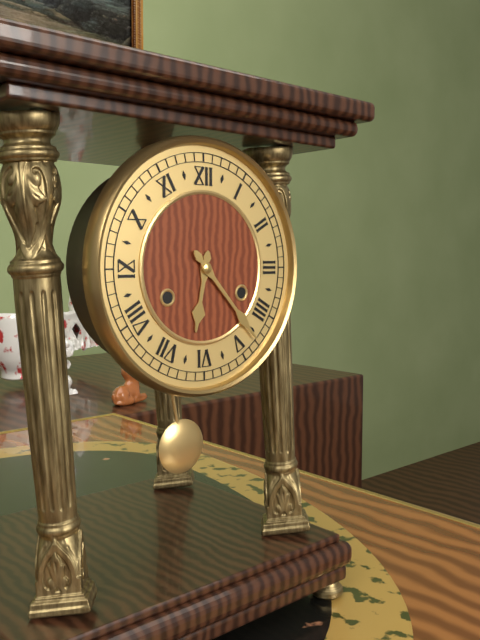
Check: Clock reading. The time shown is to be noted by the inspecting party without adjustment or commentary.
6:23
